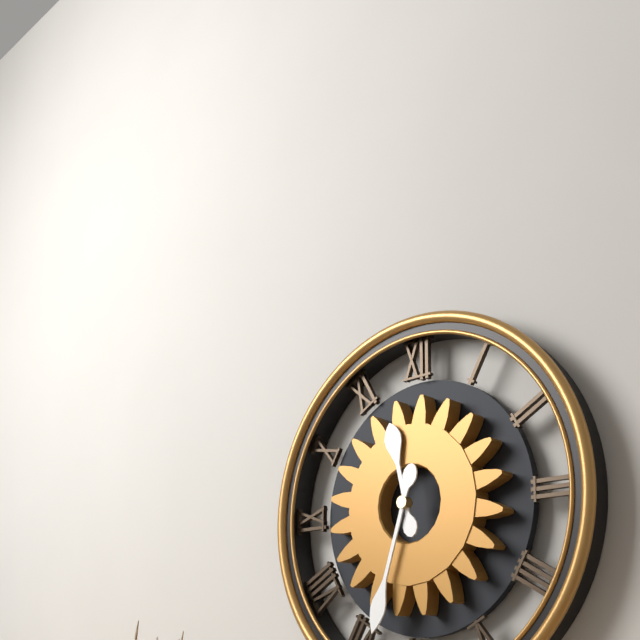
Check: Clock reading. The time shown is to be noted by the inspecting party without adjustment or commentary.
11:33
